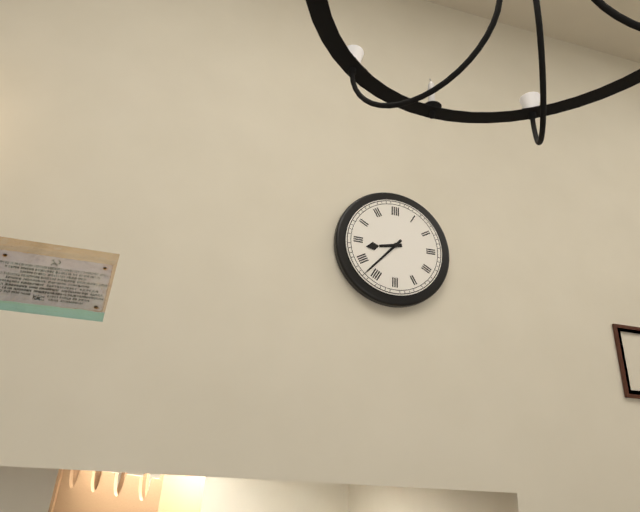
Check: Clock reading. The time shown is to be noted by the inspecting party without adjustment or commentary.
8:37
